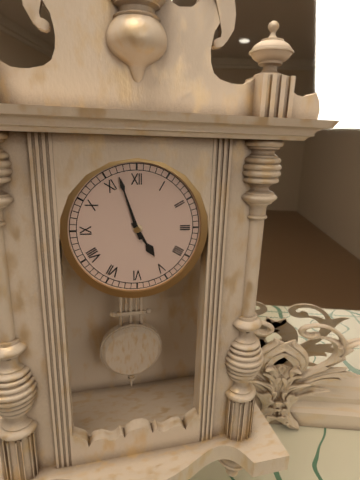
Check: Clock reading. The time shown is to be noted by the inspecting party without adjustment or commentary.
4:57
